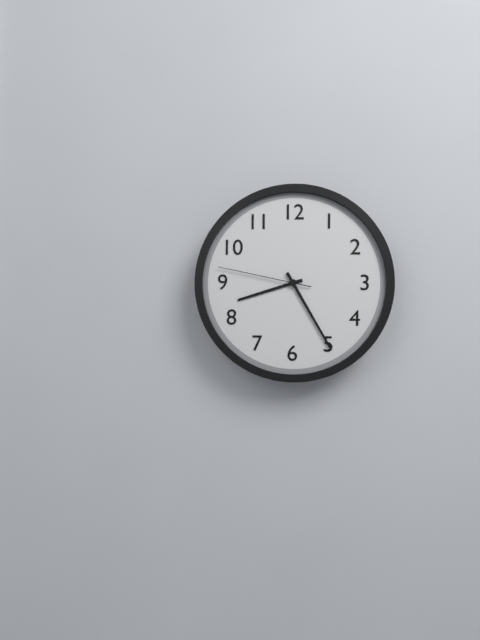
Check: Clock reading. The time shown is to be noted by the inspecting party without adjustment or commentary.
8:25:47
